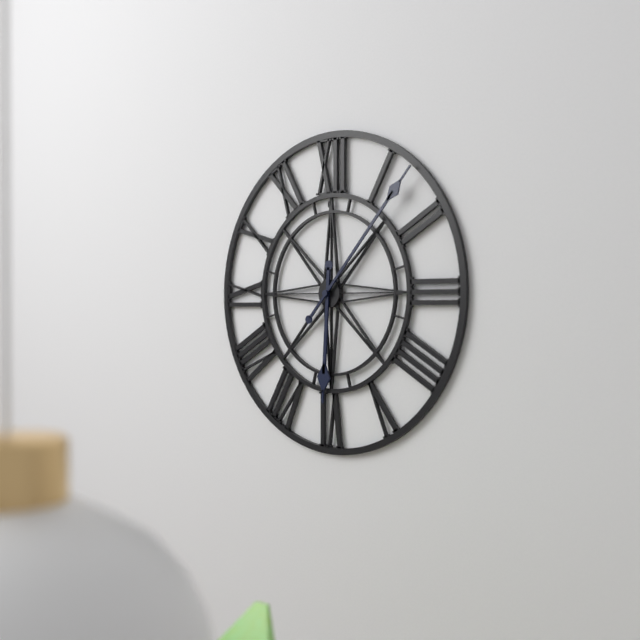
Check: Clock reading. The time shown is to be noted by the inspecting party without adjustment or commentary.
6:07
